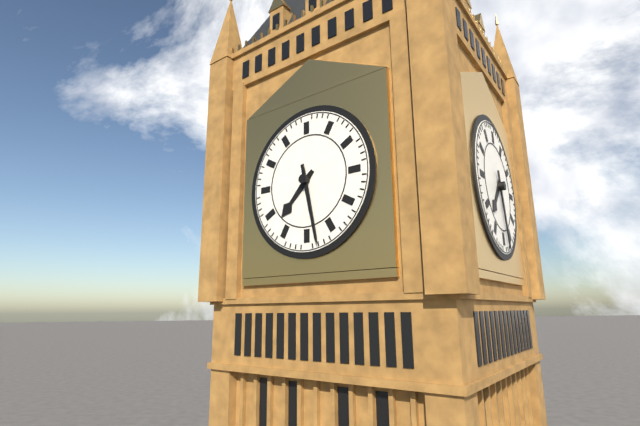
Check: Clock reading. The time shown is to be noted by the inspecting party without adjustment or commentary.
7:28
